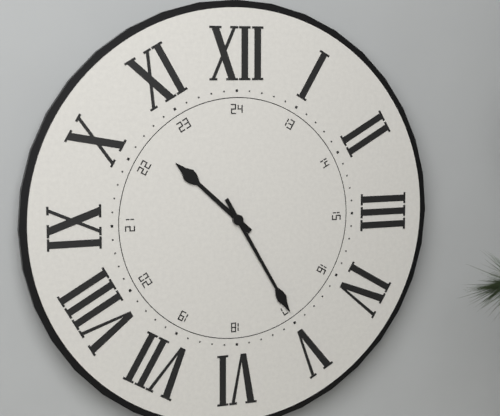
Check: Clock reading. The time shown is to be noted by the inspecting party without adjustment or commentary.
10:25
